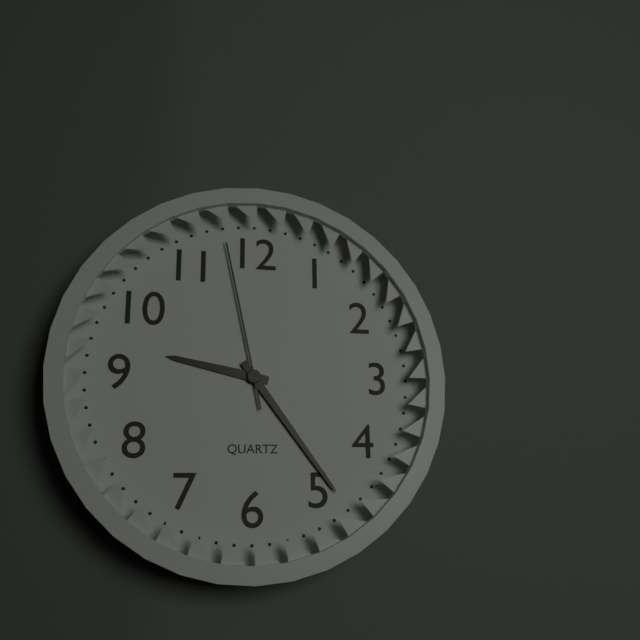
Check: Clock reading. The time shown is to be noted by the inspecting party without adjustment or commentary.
9:24:58
